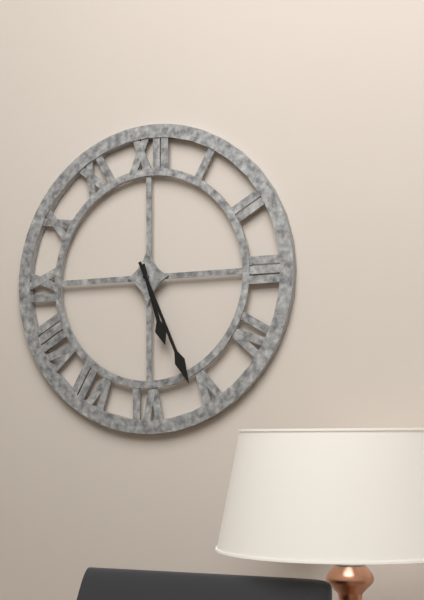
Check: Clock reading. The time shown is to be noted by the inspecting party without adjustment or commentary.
5:26
